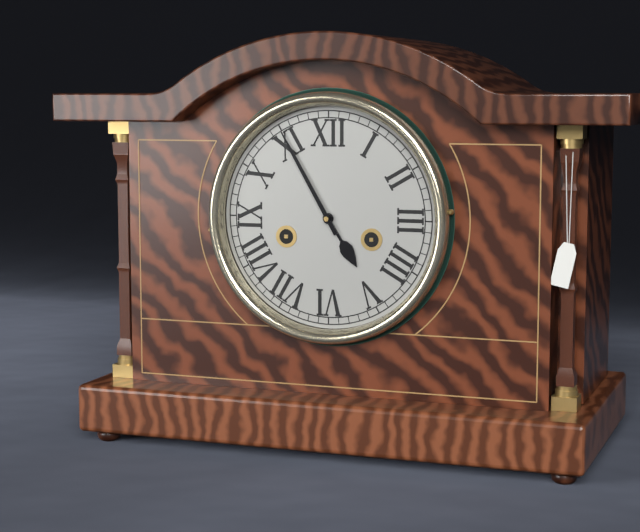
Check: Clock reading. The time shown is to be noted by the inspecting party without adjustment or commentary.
4:55
